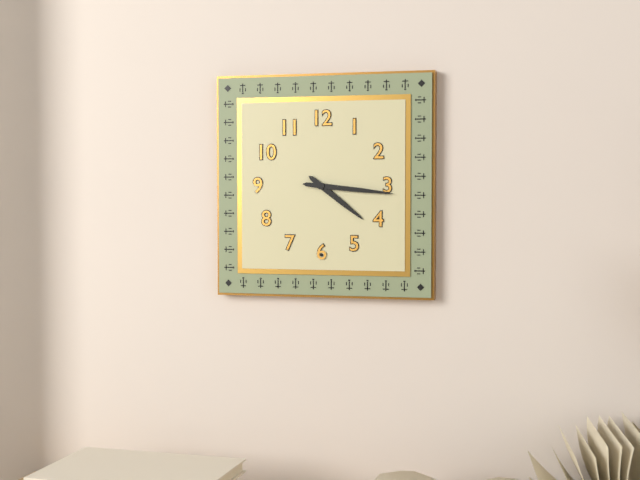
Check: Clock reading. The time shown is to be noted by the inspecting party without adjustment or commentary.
4:16
